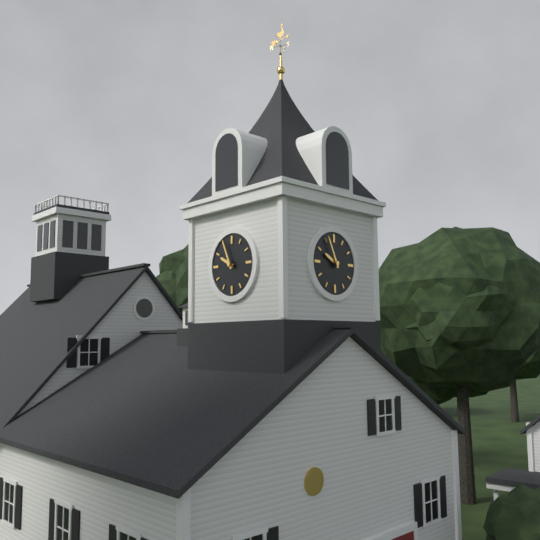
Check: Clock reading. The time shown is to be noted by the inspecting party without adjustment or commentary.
9:56
